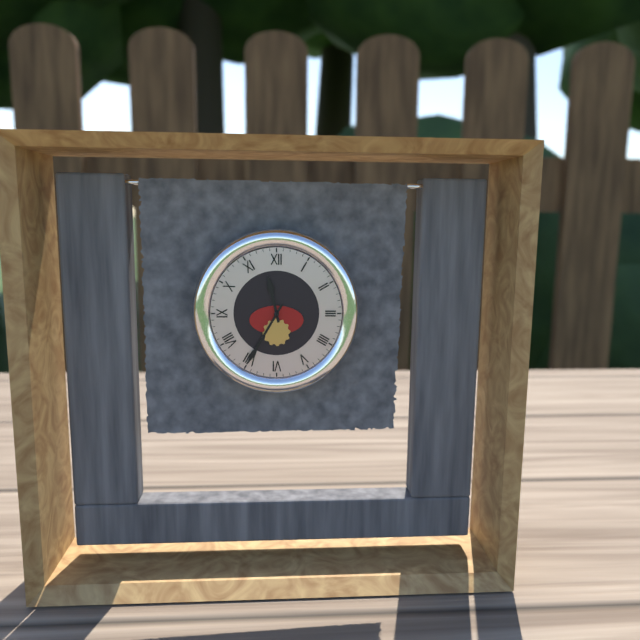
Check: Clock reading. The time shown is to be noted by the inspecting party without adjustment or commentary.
11:35
